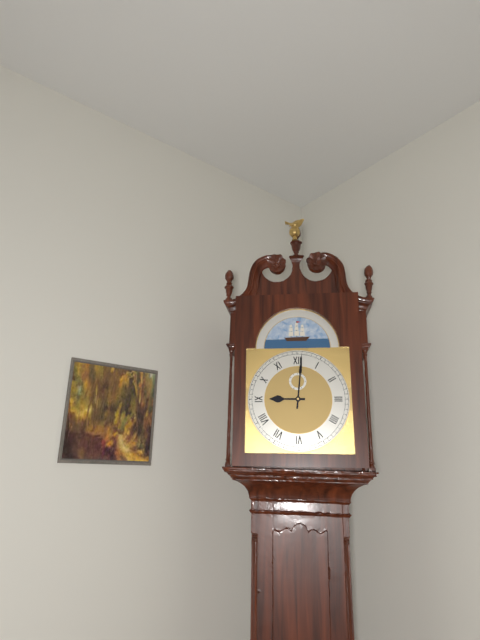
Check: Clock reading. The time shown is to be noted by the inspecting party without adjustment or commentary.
9:01
